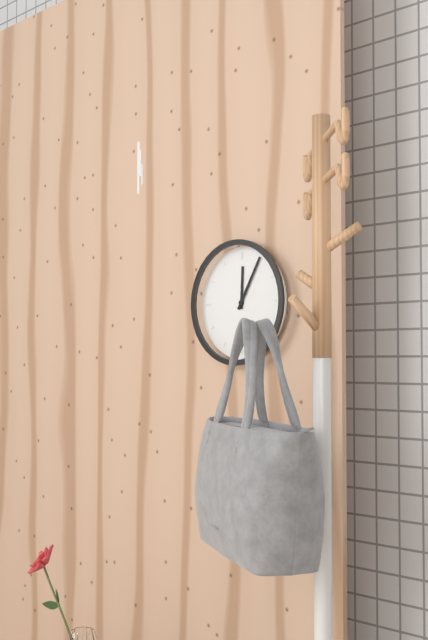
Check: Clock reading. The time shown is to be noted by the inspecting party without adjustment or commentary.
12:05
